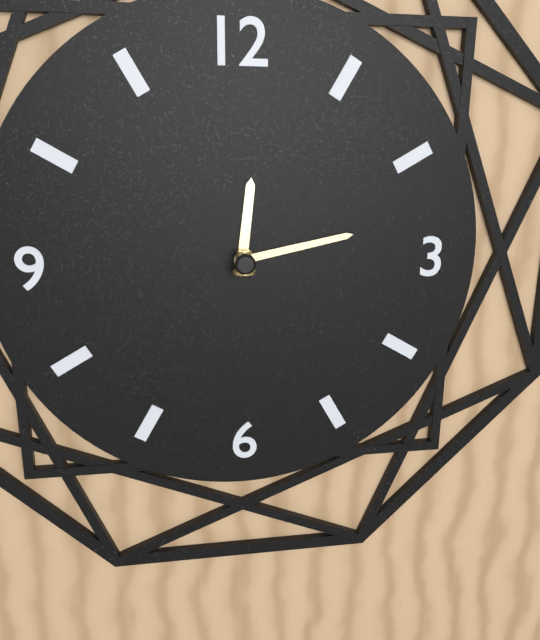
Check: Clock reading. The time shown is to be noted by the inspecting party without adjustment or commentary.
12:13
